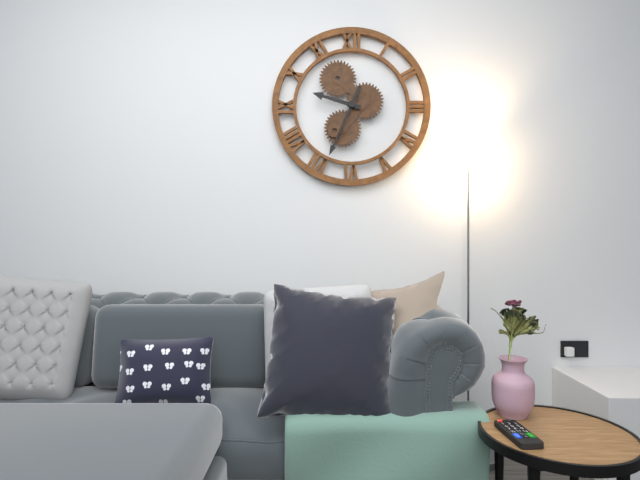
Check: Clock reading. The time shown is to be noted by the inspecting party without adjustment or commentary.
9:34
